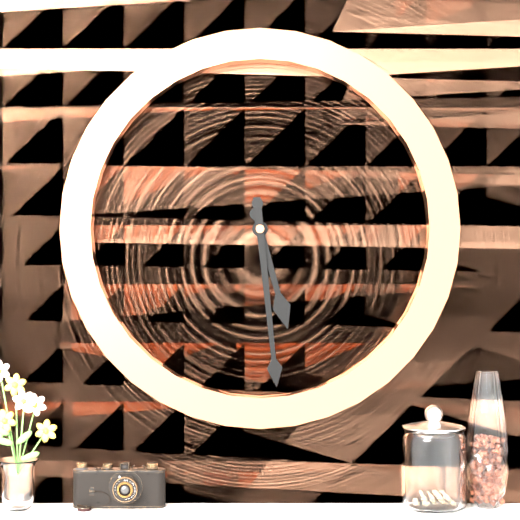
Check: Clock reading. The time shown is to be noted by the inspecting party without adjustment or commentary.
5:29
